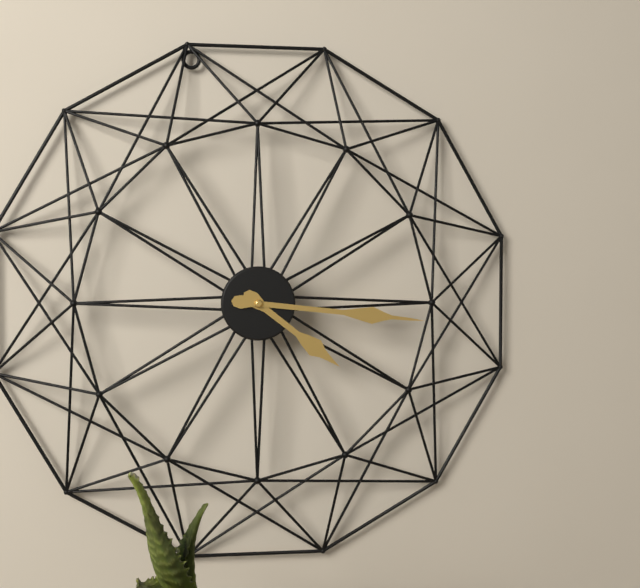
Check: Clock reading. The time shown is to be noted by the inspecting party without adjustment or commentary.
4:16
